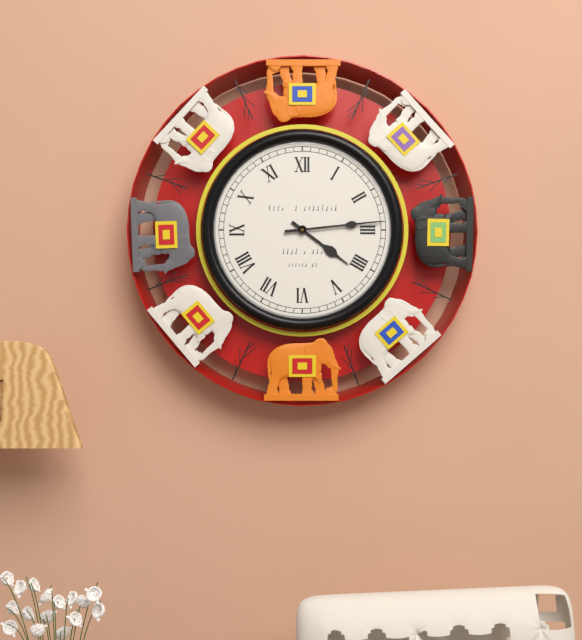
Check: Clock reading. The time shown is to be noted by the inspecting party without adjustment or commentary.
4:14
